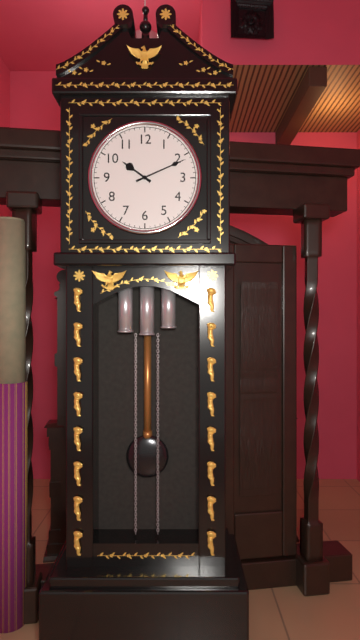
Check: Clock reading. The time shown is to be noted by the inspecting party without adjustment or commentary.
10:11
